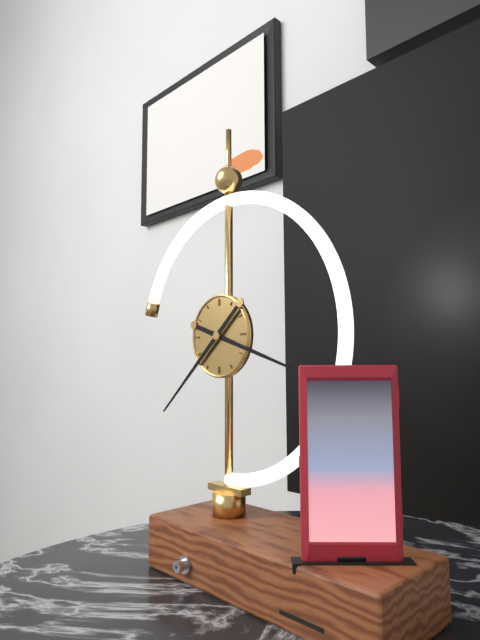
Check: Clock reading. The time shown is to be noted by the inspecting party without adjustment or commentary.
3:38
